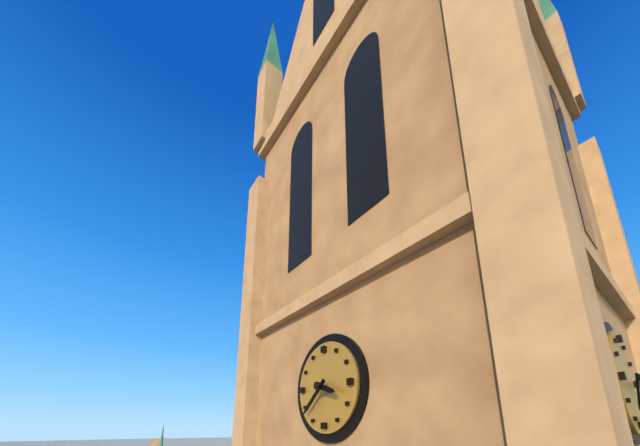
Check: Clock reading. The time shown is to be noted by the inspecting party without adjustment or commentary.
3:38
